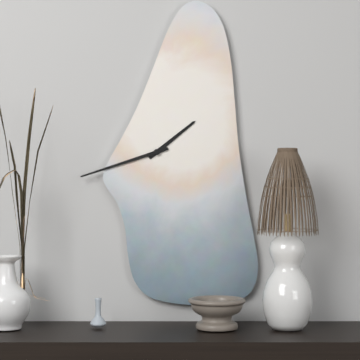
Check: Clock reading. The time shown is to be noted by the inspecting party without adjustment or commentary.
1:42
